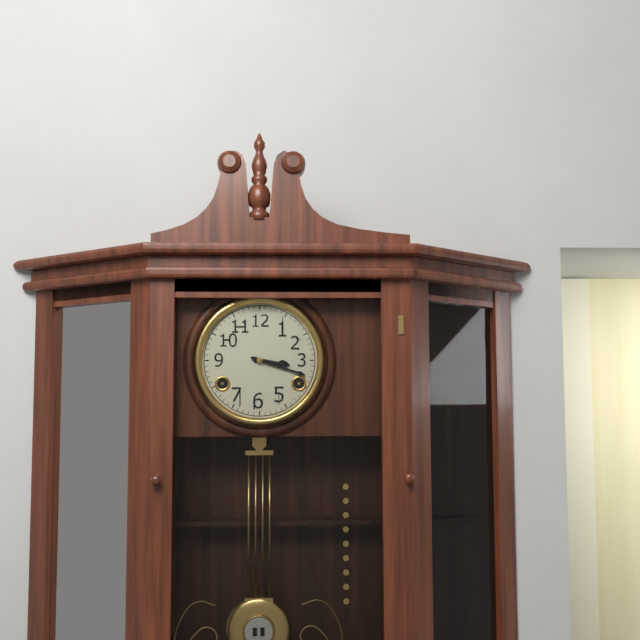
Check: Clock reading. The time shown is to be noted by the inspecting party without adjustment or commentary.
3:18
